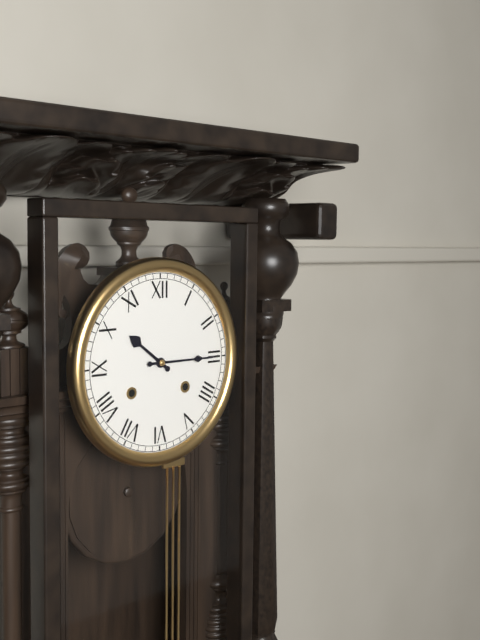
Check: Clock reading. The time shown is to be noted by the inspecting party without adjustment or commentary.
10:15
